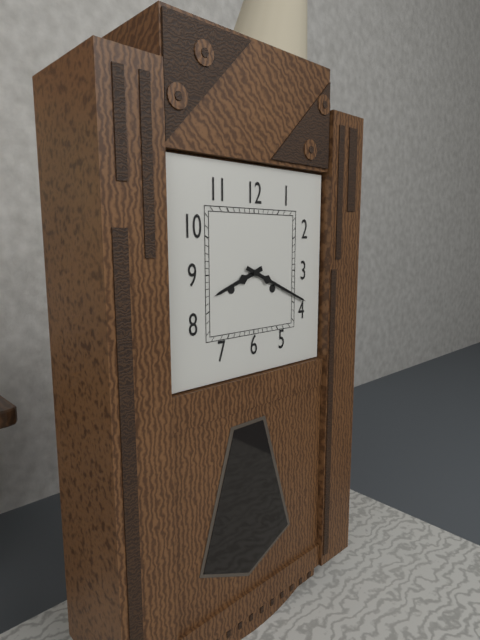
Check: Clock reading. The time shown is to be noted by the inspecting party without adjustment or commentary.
8:19
